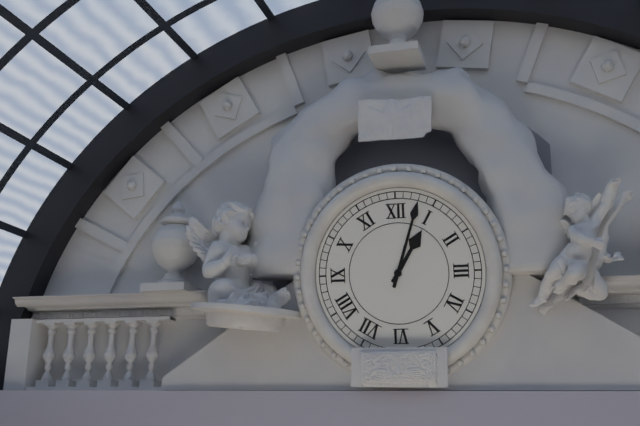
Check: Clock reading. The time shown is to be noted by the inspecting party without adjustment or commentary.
1:03
